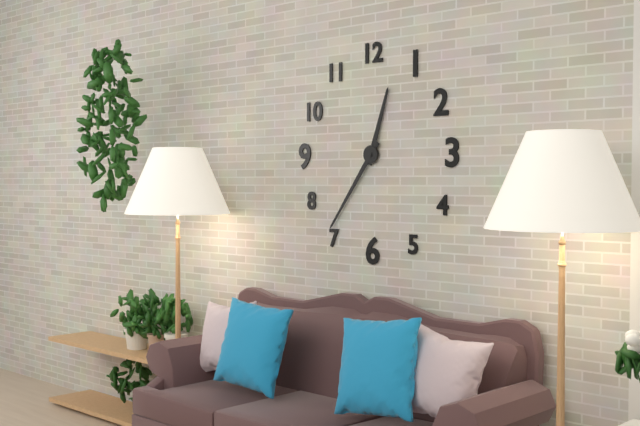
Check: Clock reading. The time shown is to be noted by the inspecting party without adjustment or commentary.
12:36
